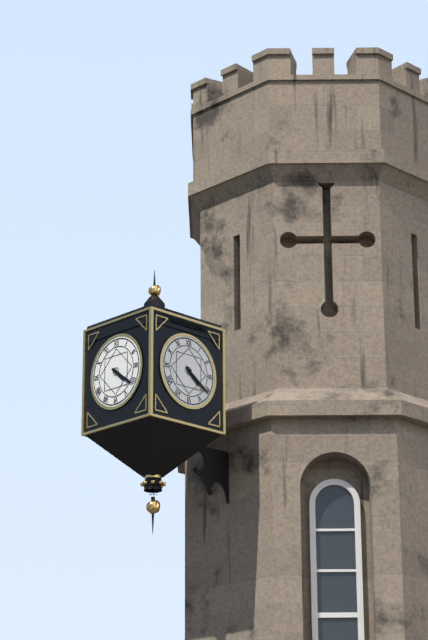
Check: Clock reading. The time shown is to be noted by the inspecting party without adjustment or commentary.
4:21
